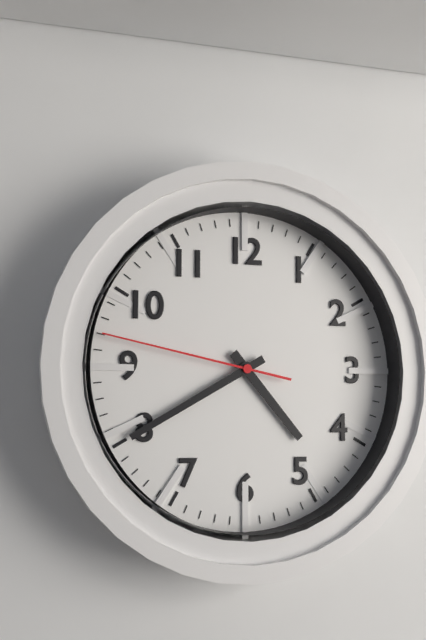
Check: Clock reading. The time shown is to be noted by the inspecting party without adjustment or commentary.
4:40:47
